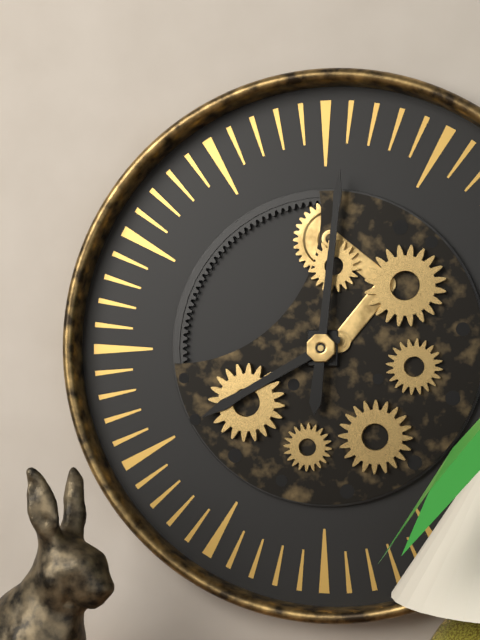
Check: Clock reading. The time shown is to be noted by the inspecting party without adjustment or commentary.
8:01
